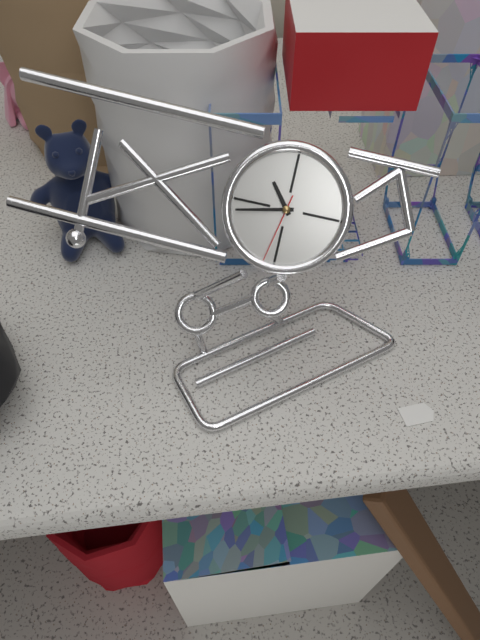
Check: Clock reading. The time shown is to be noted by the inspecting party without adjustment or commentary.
10:43:32
